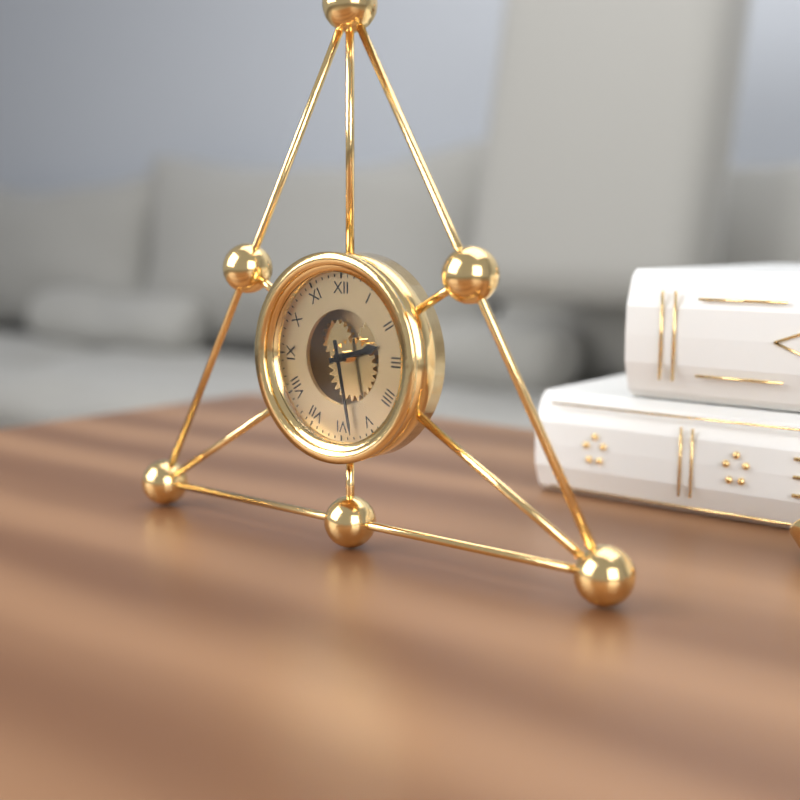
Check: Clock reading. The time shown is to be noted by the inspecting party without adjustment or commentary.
2:28
